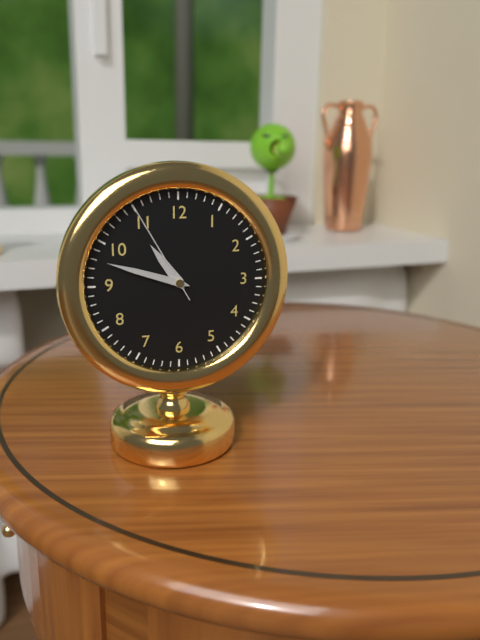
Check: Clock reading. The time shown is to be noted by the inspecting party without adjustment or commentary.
10:48:55
